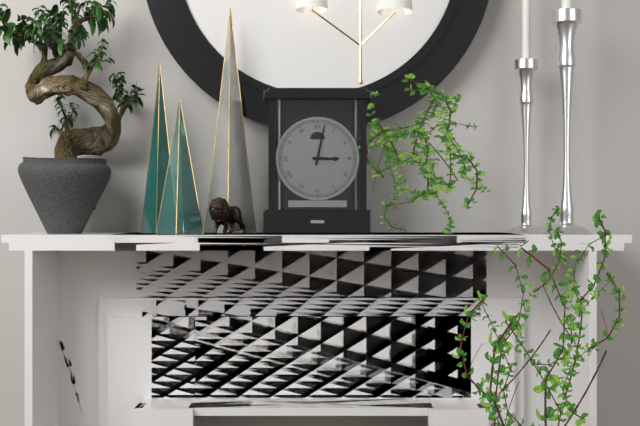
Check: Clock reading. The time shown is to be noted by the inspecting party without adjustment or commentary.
3:02
